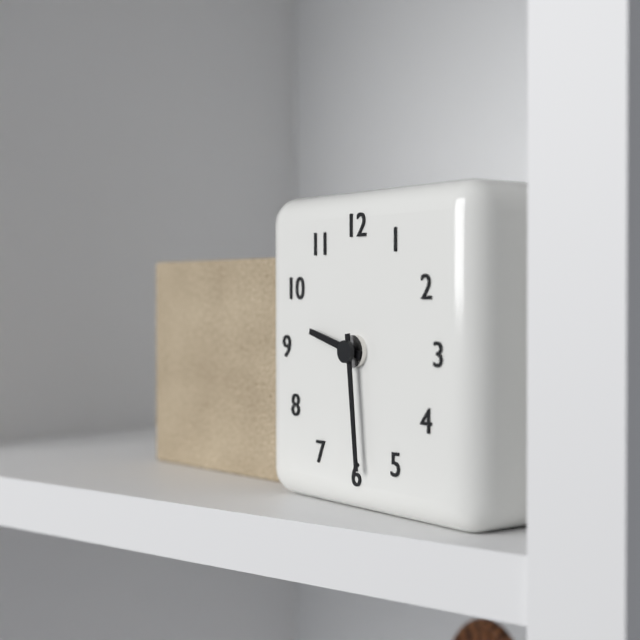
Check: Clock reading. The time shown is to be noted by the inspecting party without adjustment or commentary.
9:29
